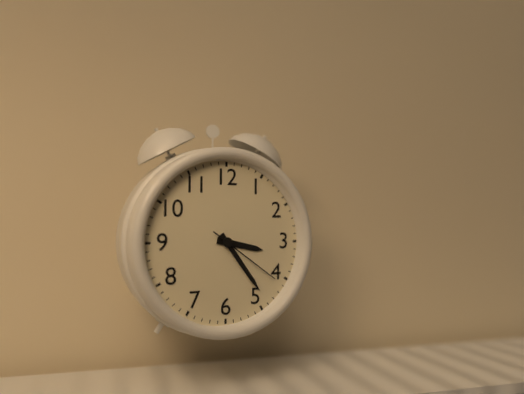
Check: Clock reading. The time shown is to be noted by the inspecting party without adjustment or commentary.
3:24:21
